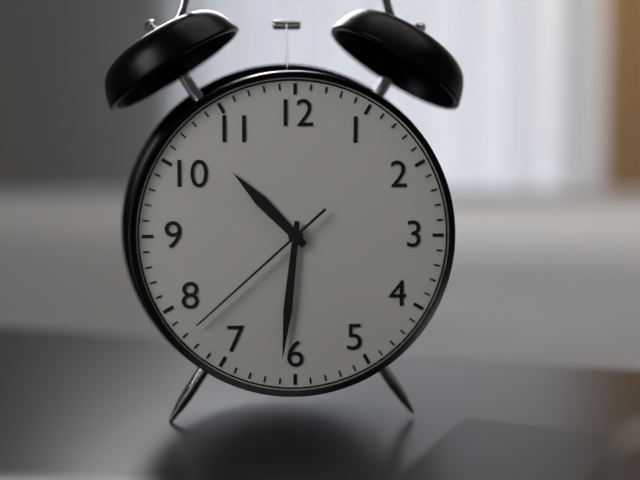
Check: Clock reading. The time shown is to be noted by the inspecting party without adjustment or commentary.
10:31:38
